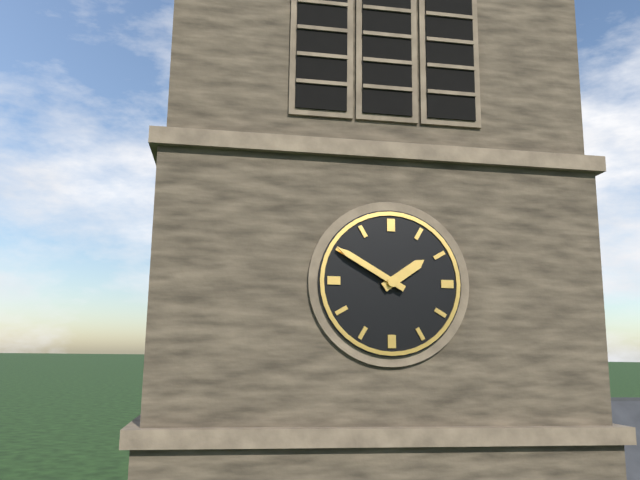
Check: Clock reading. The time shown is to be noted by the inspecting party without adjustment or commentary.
1:50
